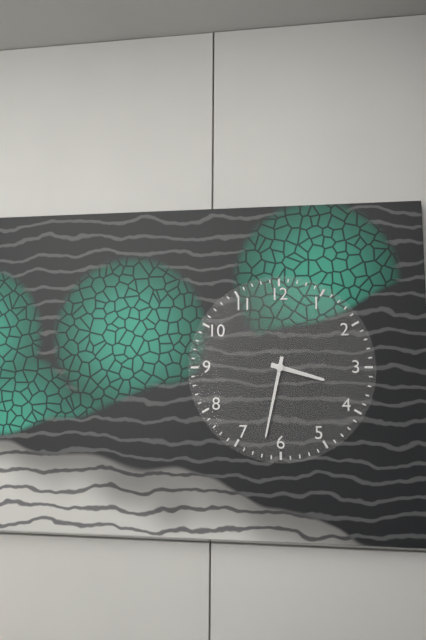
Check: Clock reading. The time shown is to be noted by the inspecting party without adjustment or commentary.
3:32
